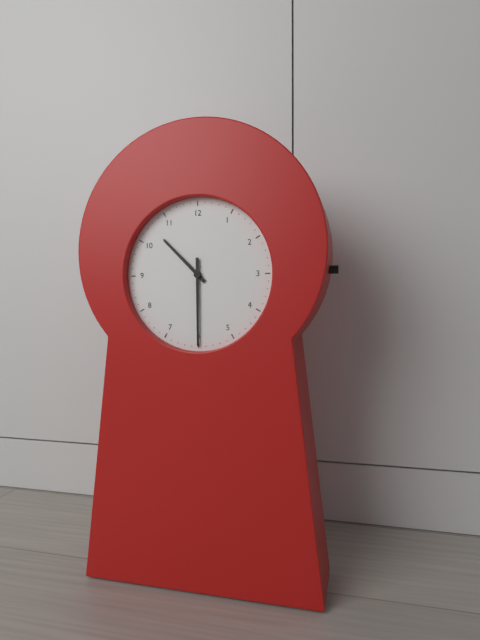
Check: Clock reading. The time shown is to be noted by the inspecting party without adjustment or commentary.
10:30
